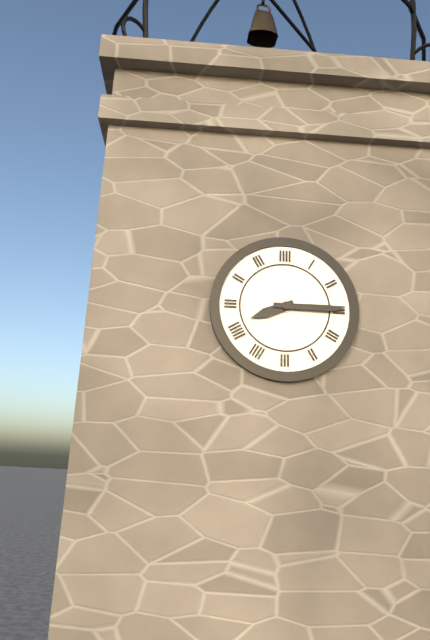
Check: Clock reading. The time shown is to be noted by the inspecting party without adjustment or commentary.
8:15
